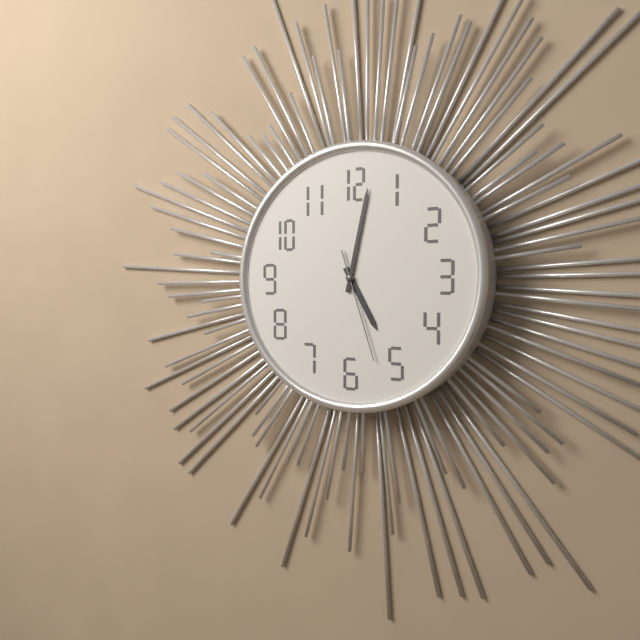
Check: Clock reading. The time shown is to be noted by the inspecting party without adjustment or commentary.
5:02:27
